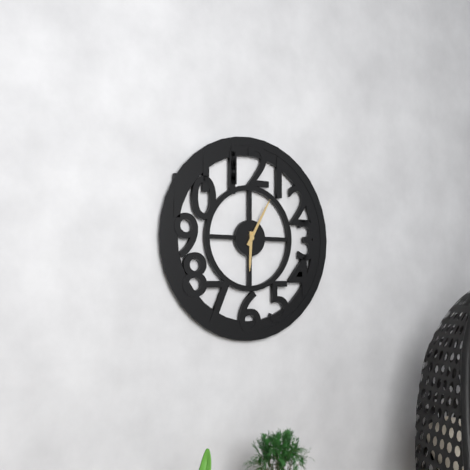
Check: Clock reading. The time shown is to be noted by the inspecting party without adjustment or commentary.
6:05
